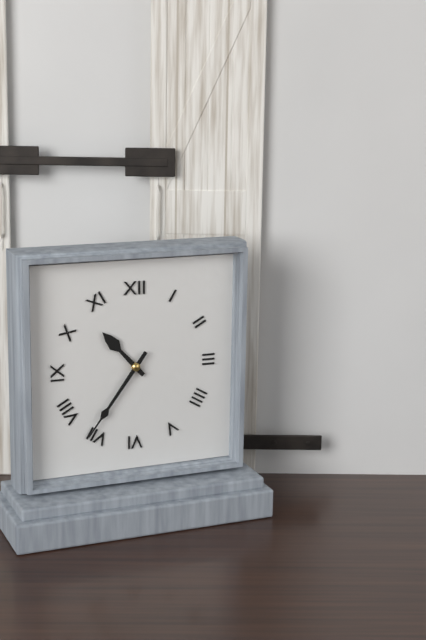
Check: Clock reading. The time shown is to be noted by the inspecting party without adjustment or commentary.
10:36
